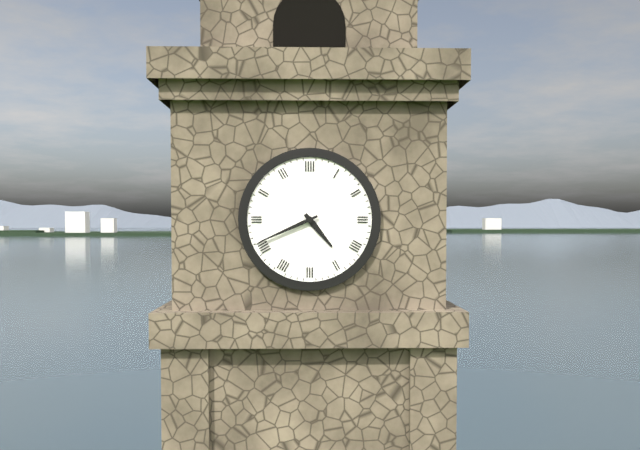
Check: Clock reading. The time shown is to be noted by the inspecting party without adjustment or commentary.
4:41
